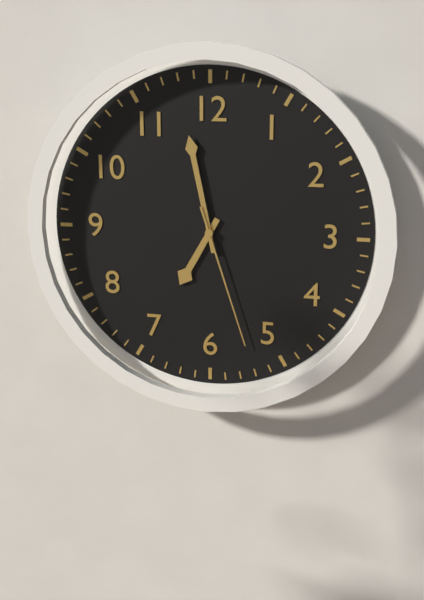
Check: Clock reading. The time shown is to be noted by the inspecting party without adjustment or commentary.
6:58:27
